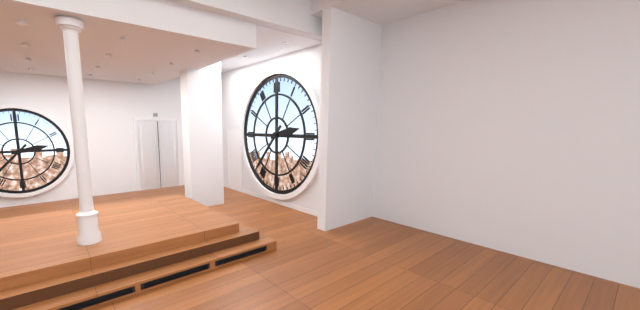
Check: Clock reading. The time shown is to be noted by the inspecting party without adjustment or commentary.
2:37
